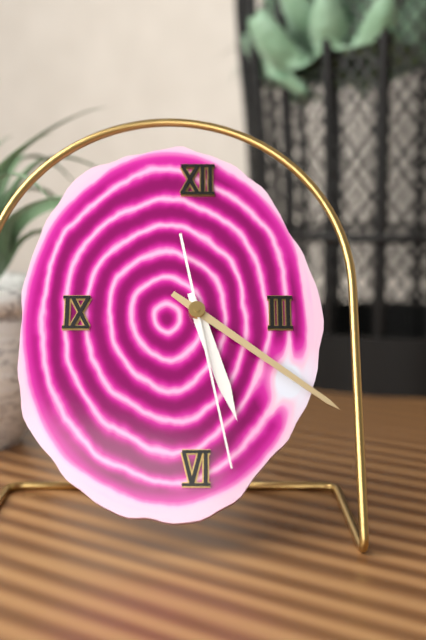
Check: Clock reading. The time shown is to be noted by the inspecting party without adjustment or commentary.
5:21:28
